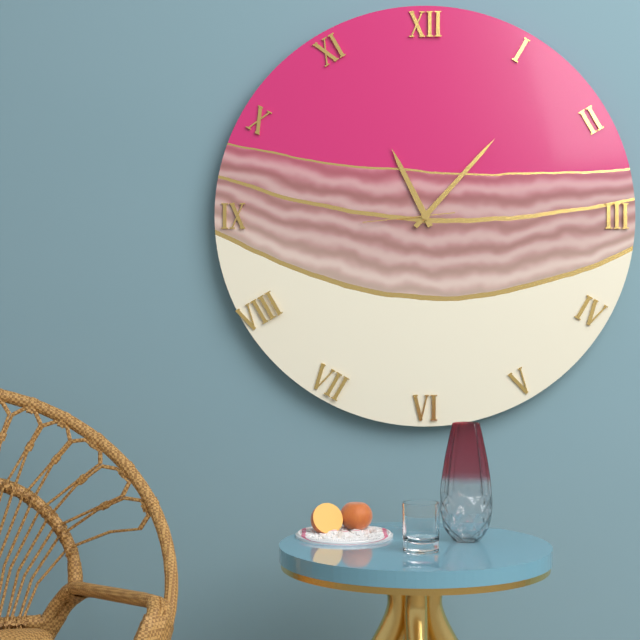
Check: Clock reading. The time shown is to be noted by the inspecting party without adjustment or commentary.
11:07:44
